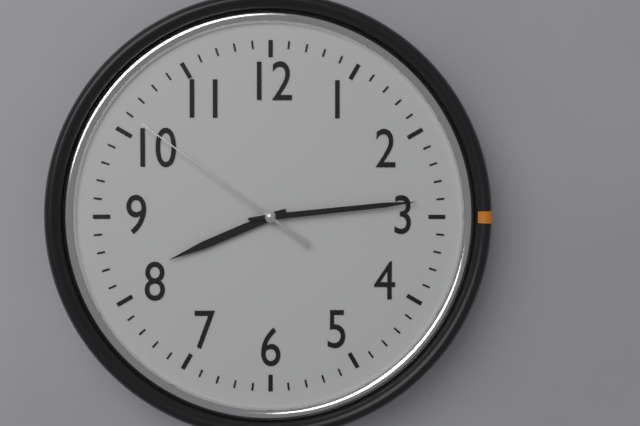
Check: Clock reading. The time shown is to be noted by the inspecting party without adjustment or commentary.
8:14:51
